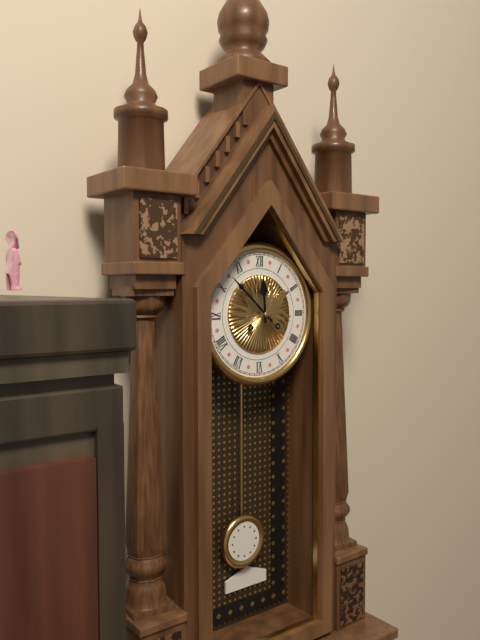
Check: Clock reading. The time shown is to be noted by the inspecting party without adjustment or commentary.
11:52
